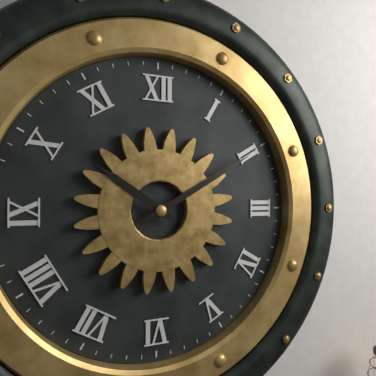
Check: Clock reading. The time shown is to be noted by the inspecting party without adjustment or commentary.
10:10
